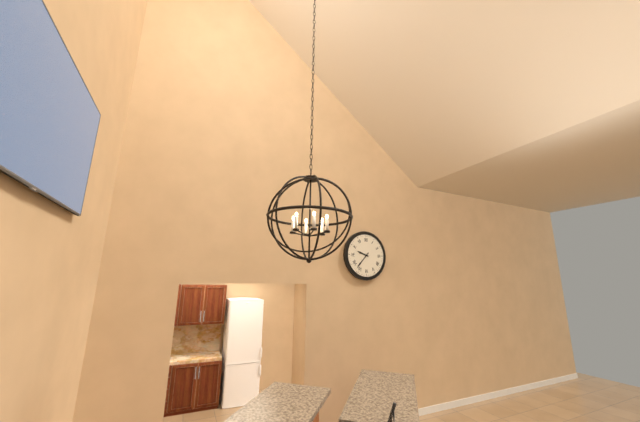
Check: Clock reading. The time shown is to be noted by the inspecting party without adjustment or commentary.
9:37
